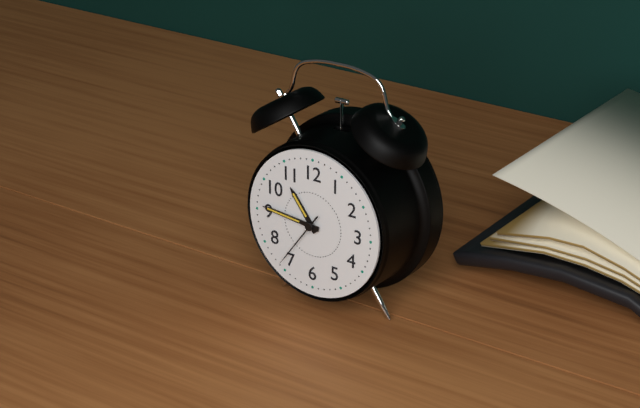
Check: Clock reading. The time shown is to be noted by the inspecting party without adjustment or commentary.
10:46:36
